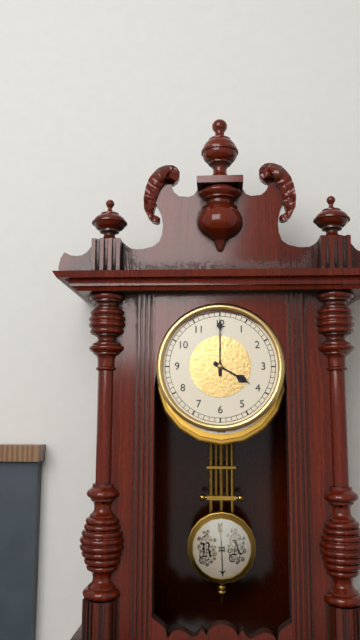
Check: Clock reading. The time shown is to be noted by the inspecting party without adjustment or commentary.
4:00
